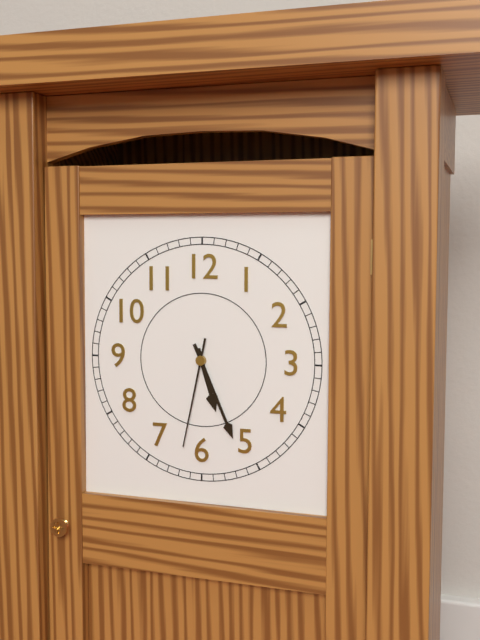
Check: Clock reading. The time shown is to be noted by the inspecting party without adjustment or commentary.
5:26:32
